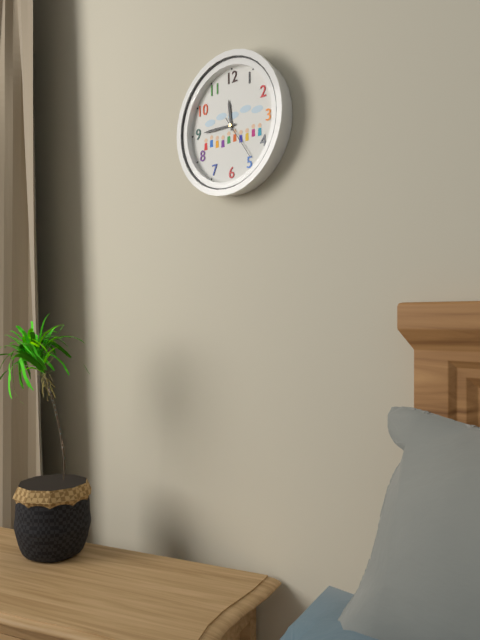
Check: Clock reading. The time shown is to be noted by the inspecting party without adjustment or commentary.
11:45
